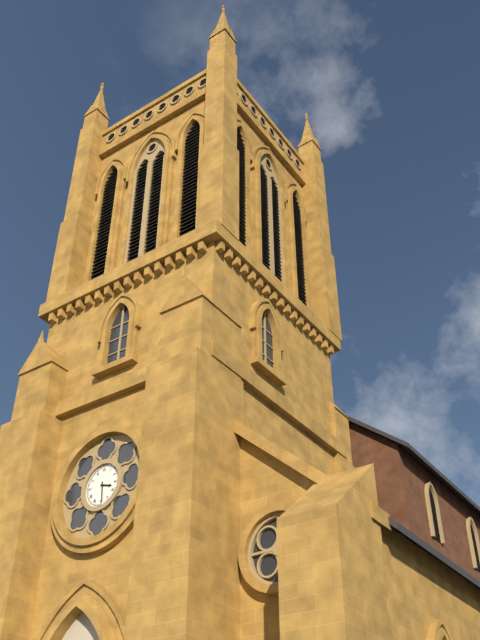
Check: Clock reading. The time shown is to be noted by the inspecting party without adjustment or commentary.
3:29
